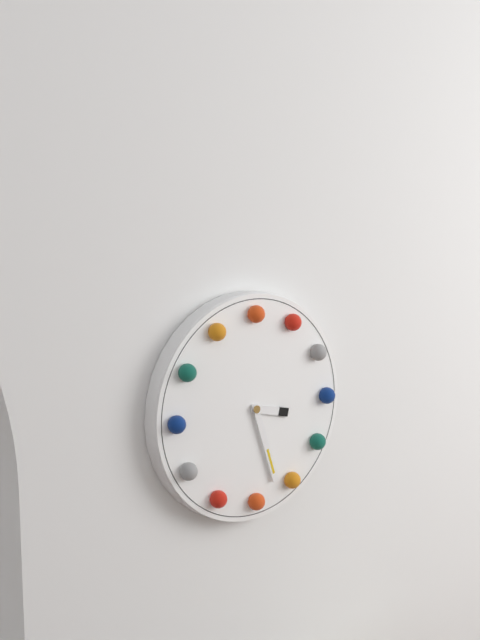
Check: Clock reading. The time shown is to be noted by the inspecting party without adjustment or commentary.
3:27
